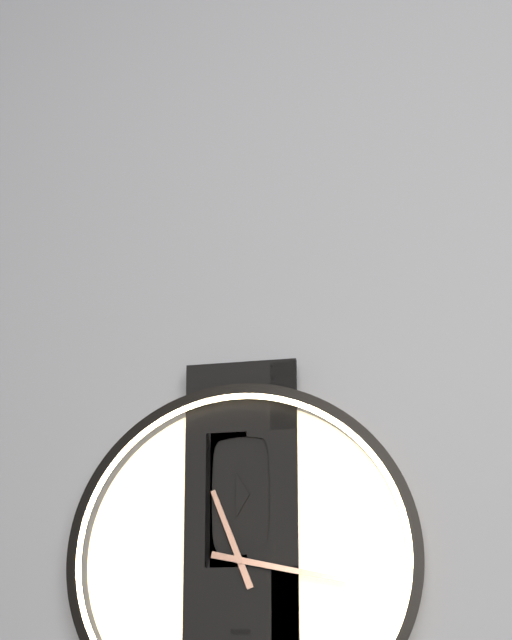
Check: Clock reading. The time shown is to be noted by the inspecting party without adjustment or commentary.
11:17
